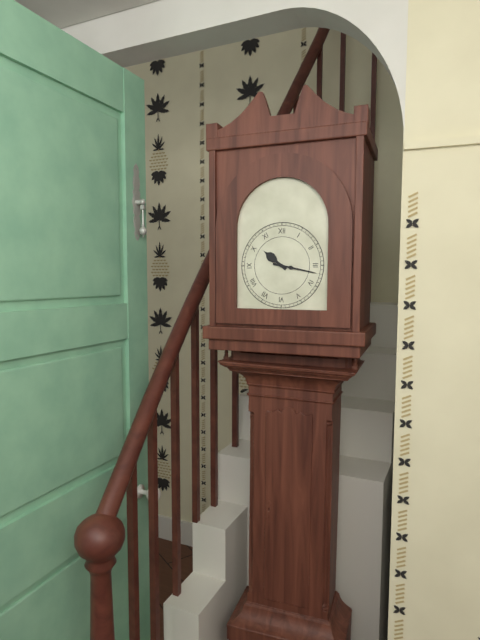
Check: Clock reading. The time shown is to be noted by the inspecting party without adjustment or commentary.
10:17
